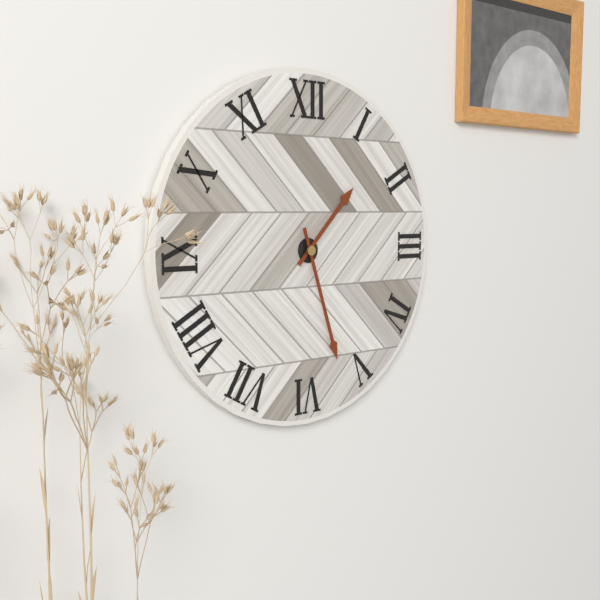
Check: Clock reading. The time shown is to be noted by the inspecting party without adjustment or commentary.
1:27
